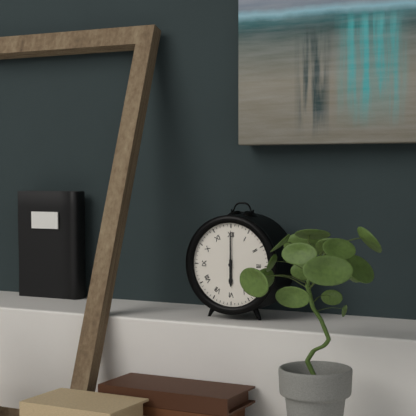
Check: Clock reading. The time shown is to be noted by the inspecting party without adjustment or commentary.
6:00
